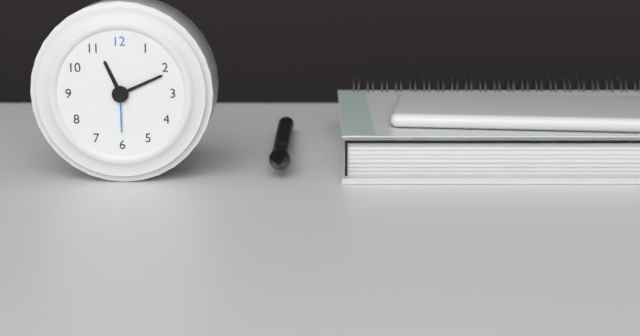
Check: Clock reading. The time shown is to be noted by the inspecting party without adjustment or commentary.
11:11
